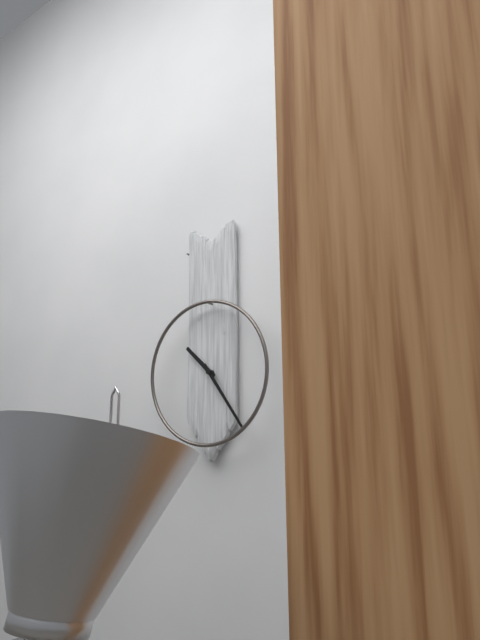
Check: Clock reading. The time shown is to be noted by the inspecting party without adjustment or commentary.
10:24
